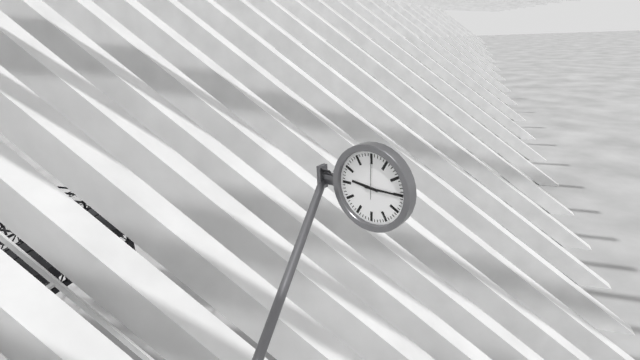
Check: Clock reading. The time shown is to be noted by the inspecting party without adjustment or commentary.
9:15
